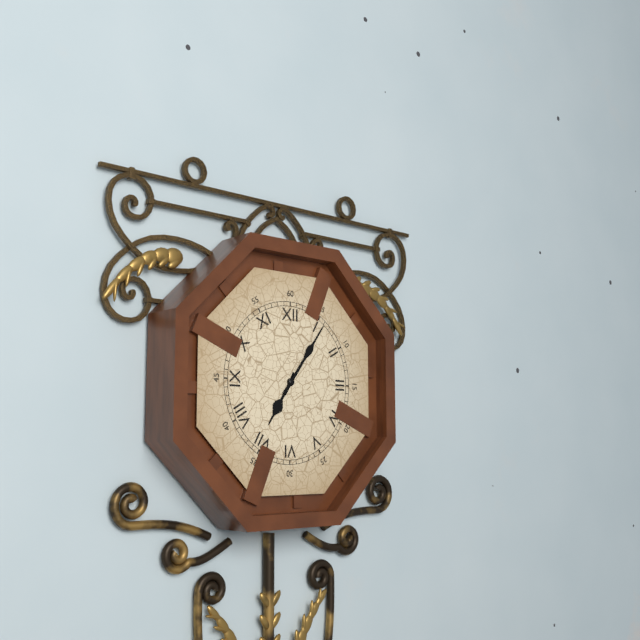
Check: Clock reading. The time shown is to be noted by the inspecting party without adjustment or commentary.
7:06
